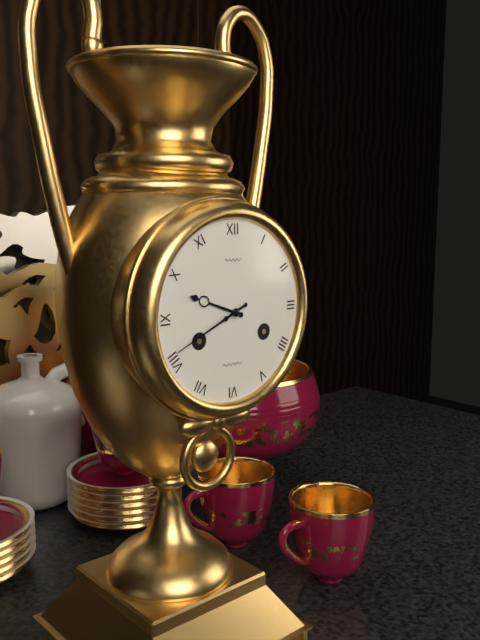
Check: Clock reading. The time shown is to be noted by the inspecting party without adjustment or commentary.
9:41
